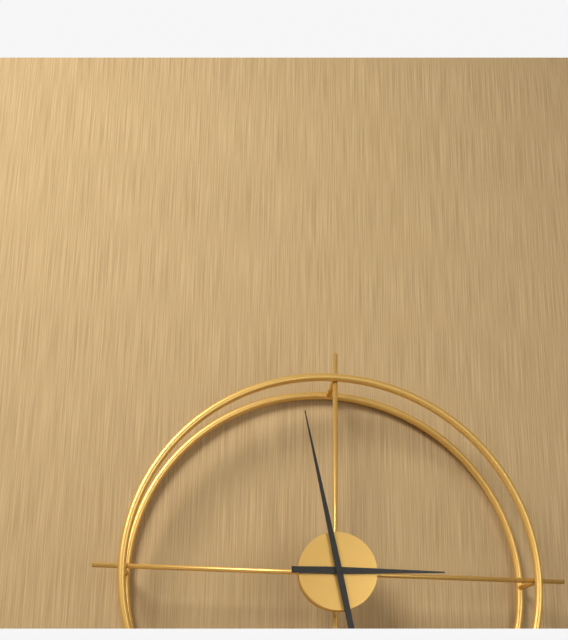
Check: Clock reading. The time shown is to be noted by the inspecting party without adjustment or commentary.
2:58
